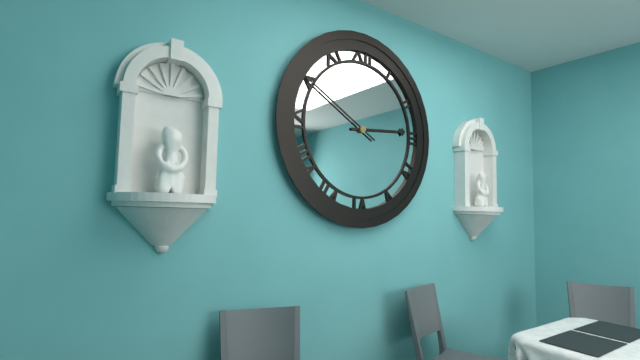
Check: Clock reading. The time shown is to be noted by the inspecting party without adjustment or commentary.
2:50
